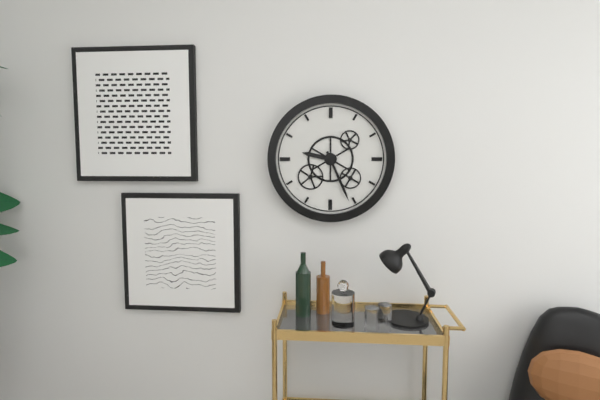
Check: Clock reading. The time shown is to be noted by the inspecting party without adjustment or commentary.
9:26
